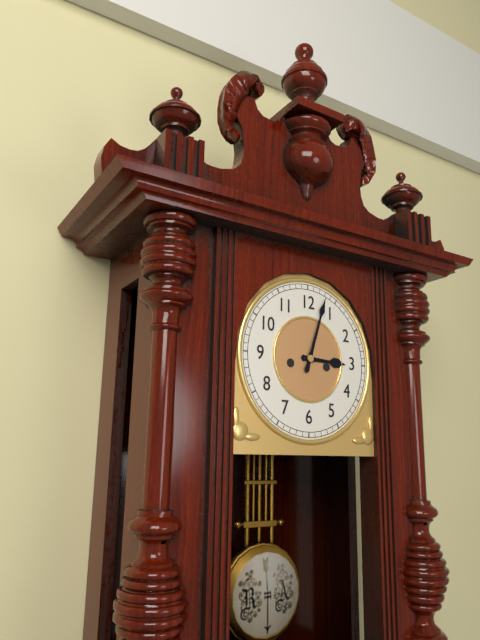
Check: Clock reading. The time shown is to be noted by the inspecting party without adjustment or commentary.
3:03
